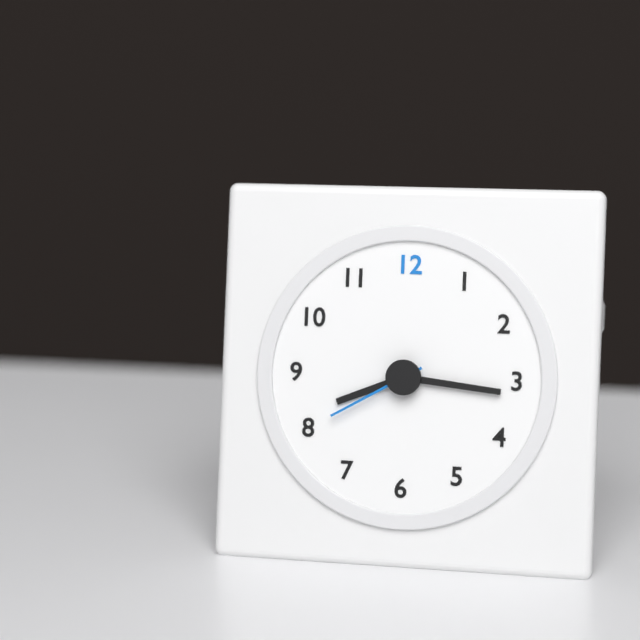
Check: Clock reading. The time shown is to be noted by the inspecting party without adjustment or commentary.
8:16:40
